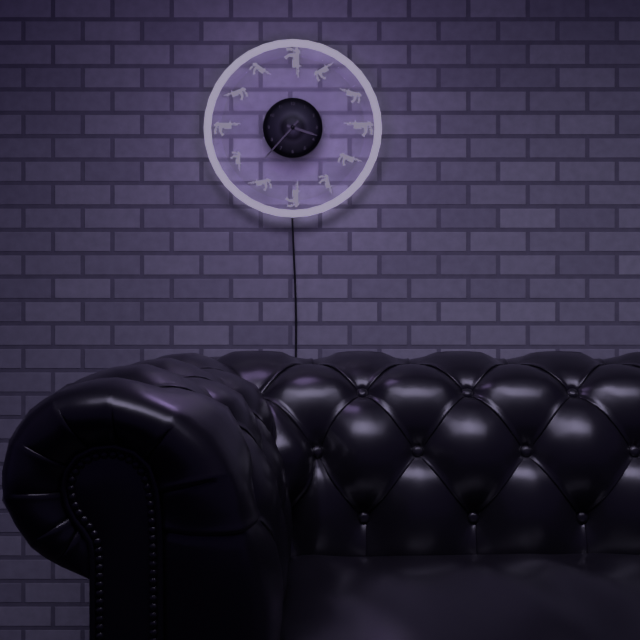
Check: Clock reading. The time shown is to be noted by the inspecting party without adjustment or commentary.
3:37
